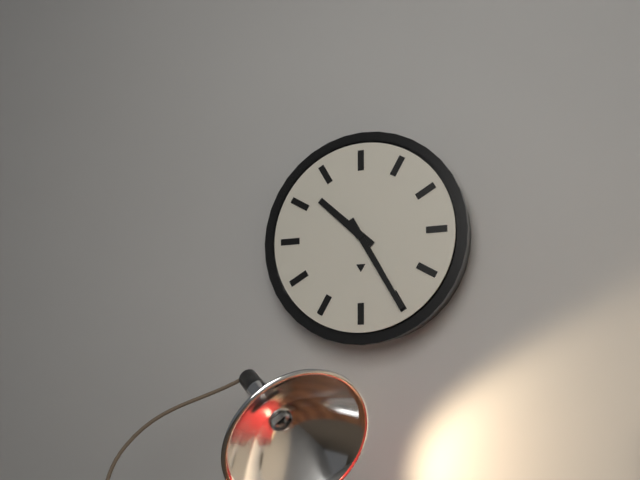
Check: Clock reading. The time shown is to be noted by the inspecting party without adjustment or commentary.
10:25
